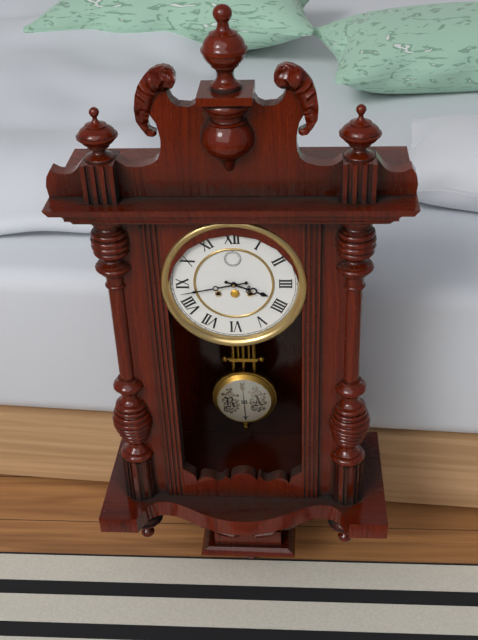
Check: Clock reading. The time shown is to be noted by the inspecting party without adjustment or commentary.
3:43
